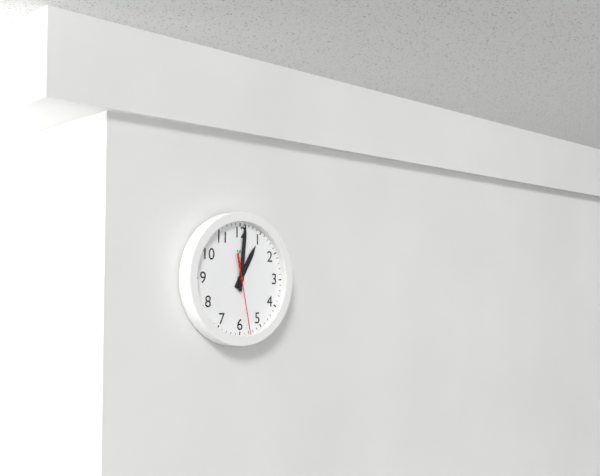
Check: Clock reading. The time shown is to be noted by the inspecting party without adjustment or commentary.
1:01:28
